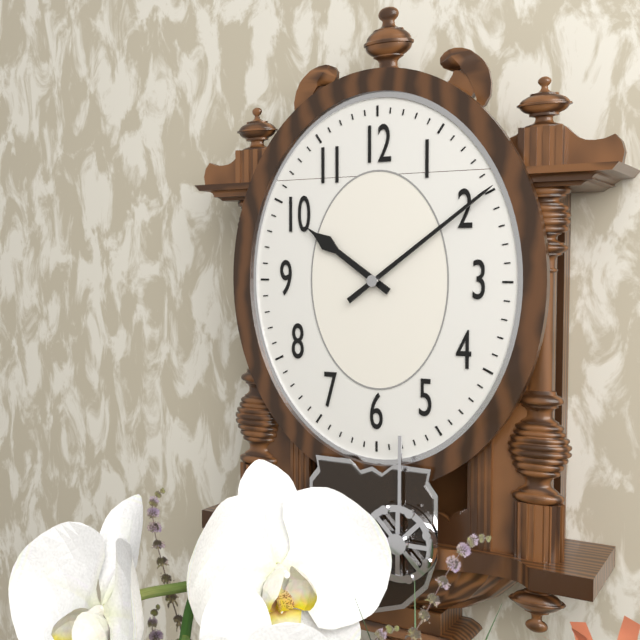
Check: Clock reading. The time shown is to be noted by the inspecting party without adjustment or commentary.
10:09
